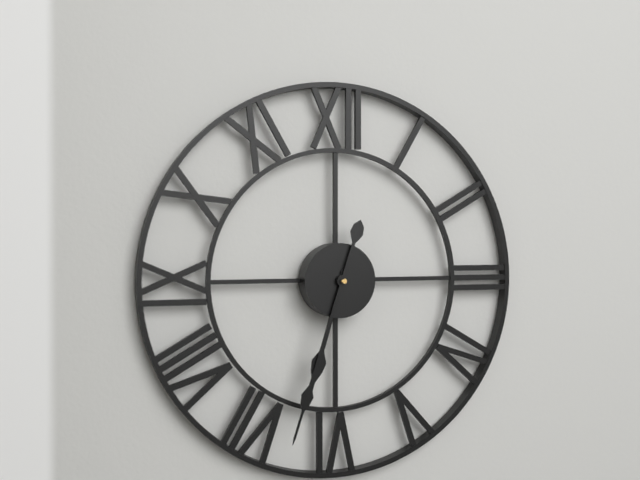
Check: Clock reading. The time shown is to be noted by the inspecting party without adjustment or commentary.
6:33
